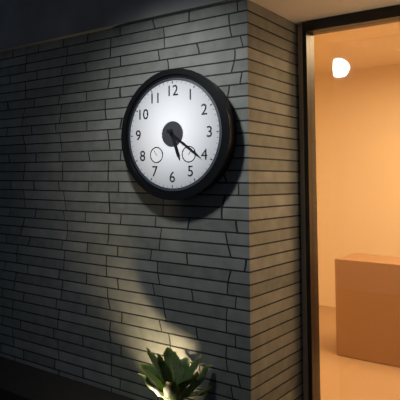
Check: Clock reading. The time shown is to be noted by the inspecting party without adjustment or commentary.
5:21
